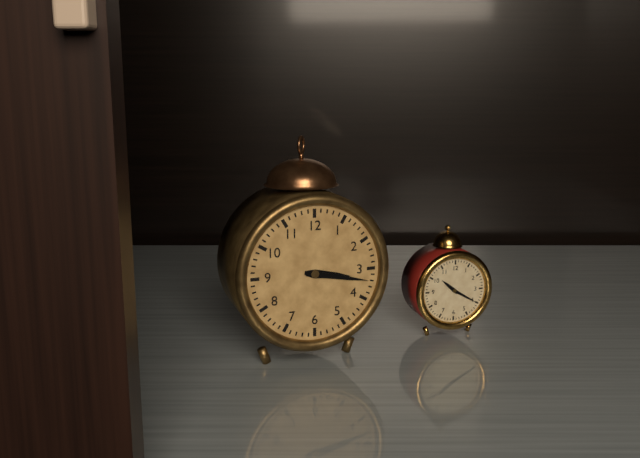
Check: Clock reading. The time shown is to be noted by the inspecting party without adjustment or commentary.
3:17
